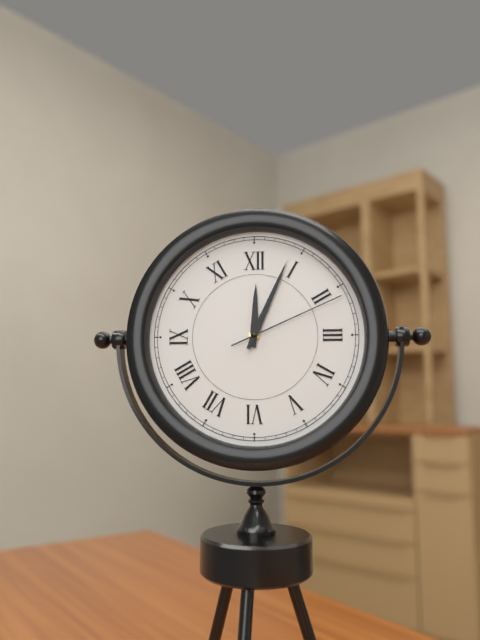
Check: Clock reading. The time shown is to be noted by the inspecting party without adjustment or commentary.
12:04:11
